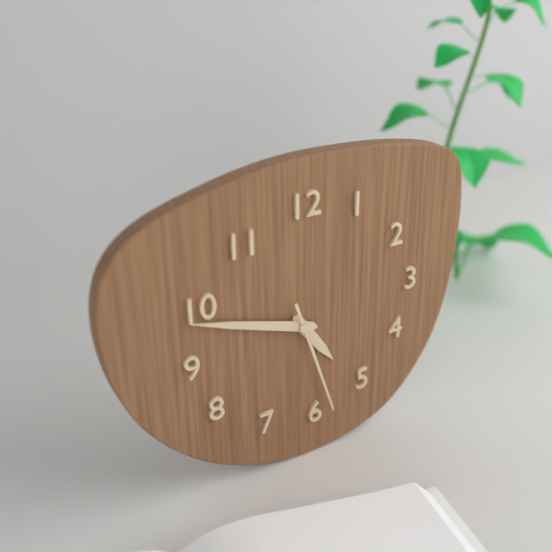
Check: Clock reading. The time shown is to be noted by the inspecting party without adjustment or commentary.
4:48:27
